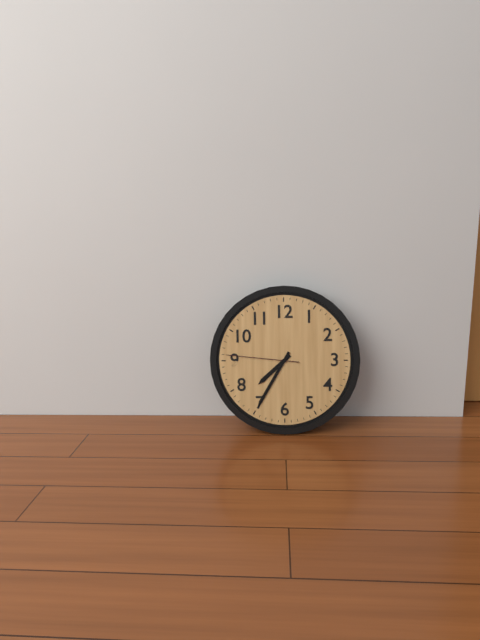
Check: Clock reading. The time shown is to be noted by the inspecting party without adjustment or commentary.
7:35:46
